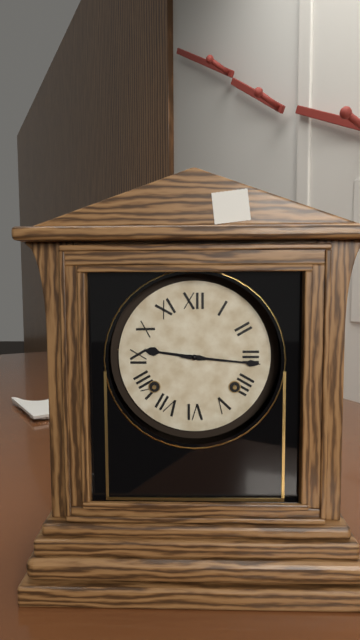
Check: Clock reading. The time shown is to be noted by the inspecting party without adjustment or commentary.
9:16
